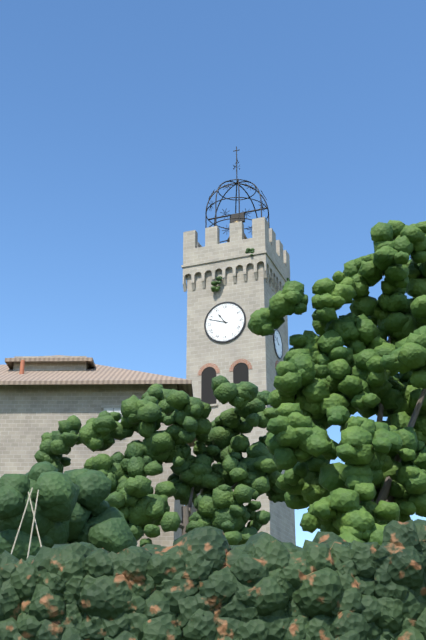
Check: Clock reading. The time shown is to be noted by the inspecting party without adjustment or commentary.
10:48
